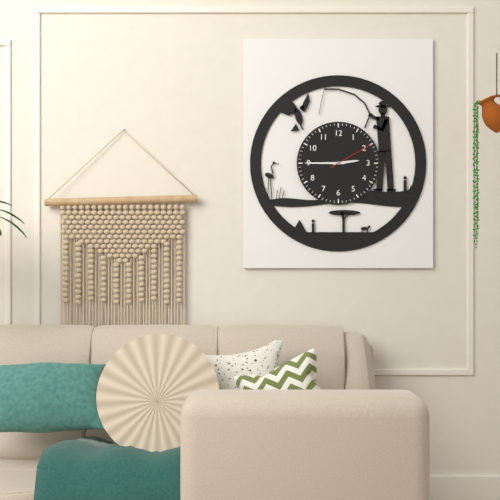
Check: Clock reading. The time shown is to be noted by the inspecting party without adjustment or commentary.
2:45
